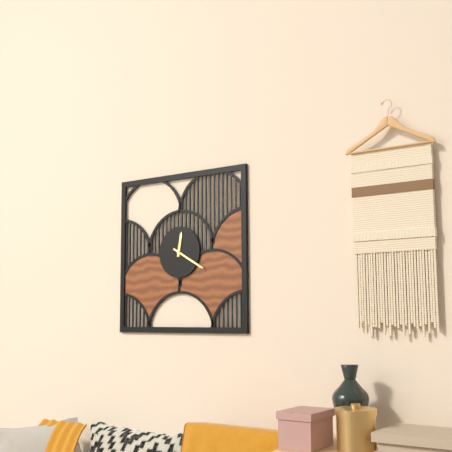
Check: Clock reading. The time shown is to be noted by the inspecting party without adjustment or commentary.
12:20
